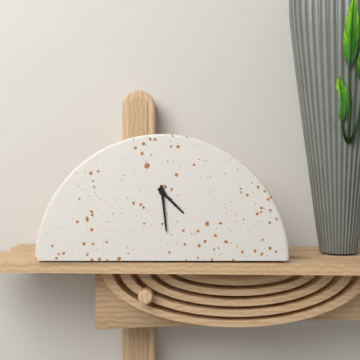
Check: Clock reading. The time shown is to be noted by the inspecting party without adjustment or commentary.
4:29
